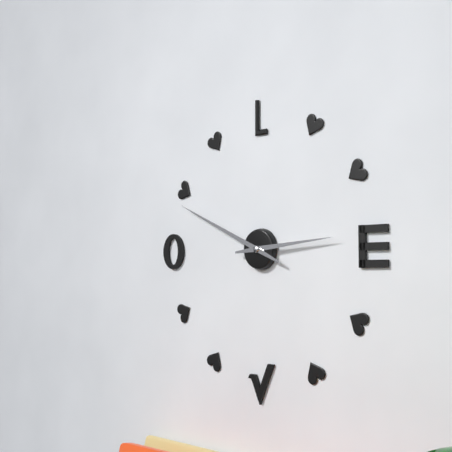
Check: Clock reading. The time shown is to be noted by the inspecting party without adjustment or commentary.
2:49
